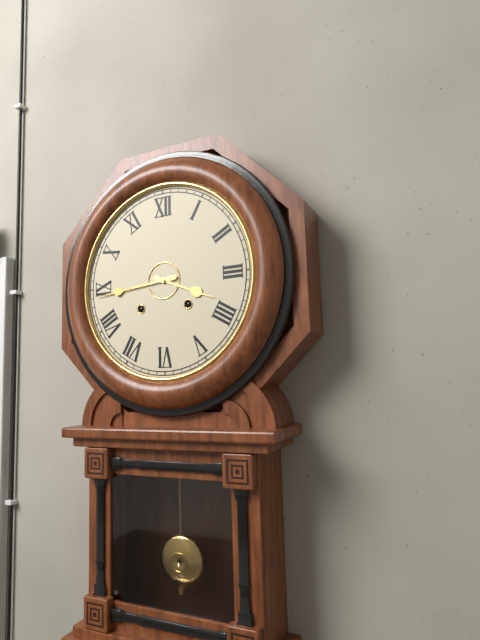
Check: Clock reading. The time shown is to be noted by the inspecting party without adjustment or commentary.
3:44
